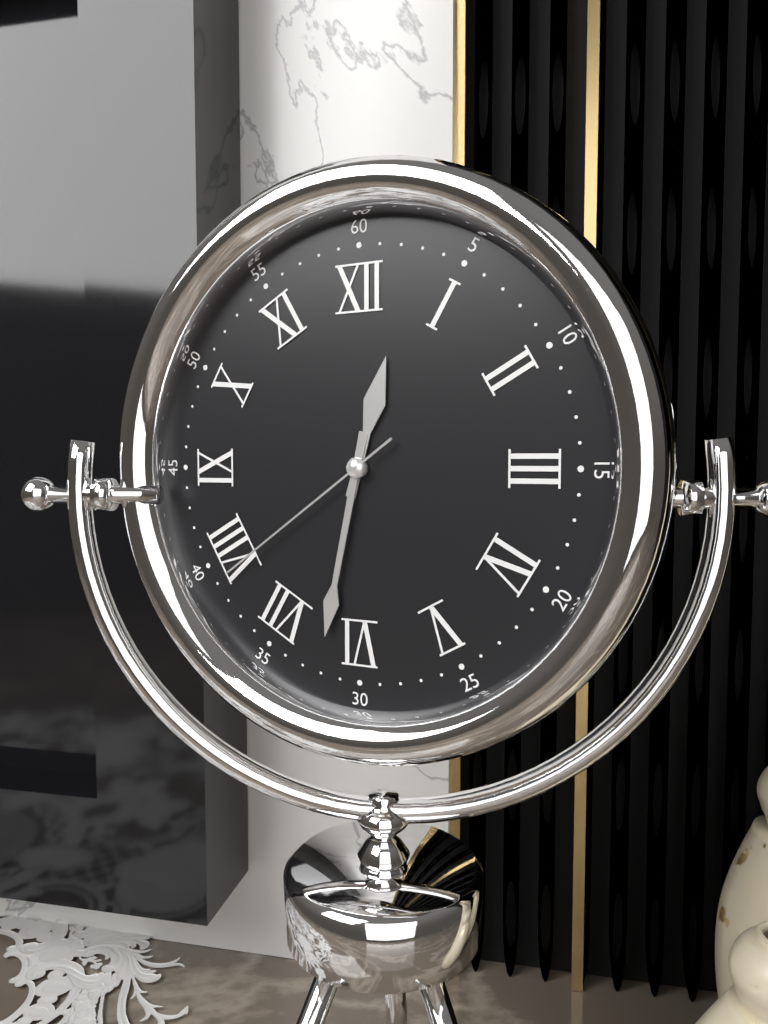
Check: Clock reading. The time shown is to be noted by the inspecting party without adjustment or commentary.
12:32:39
